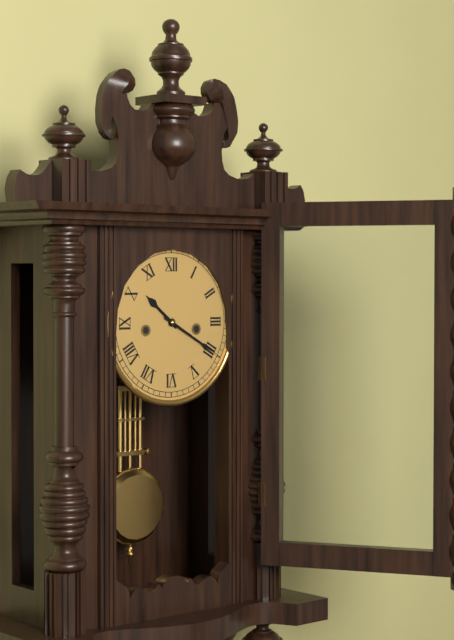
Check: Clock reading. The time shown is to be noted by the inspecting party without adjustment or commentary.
10:20
